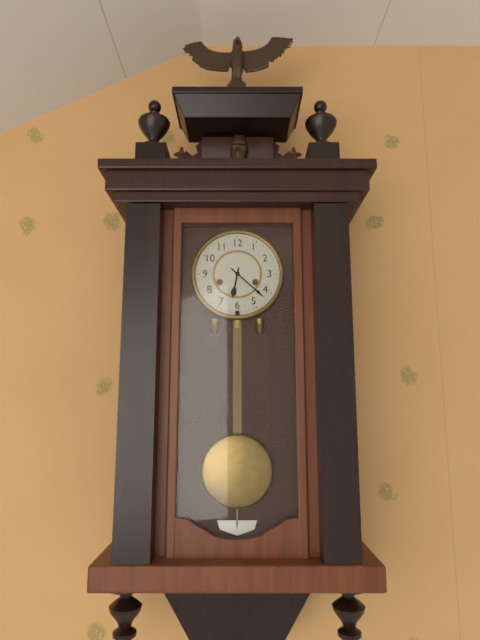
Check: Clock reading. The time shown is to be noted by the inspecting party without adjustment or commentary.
6:22
